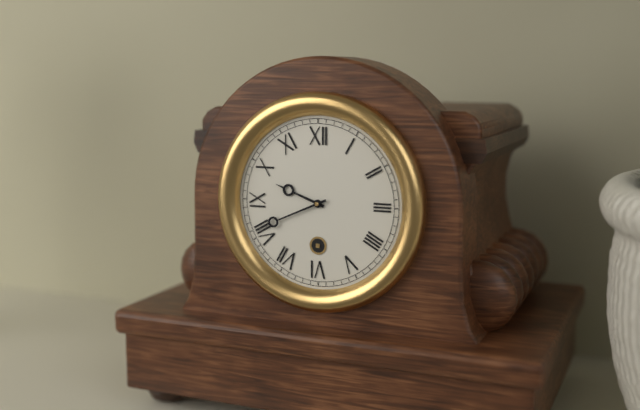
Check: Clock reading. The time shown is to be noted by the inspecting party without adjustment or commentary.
9:41
